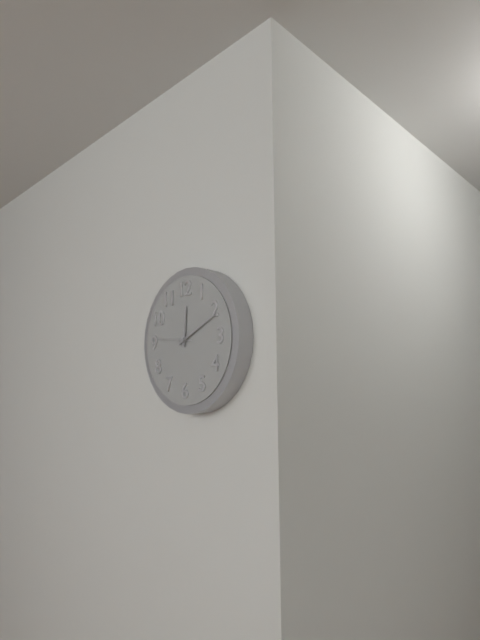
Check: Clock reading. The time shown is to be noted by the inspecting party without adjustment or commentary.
12:11
